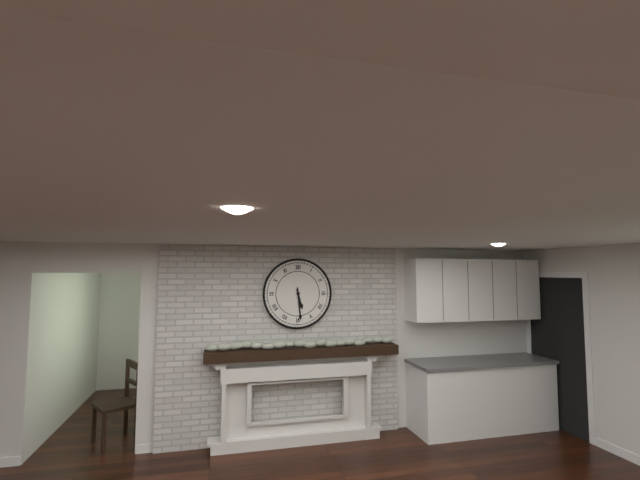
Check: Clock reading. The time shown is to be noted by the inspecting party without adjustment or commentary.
5:29
